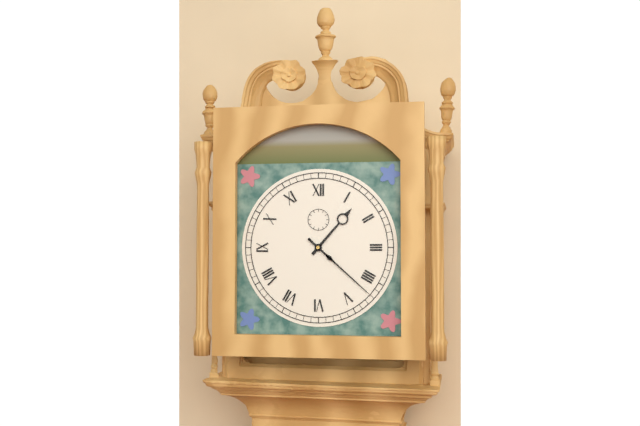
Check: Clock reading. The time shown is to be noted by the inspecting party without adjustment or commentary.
1:22
